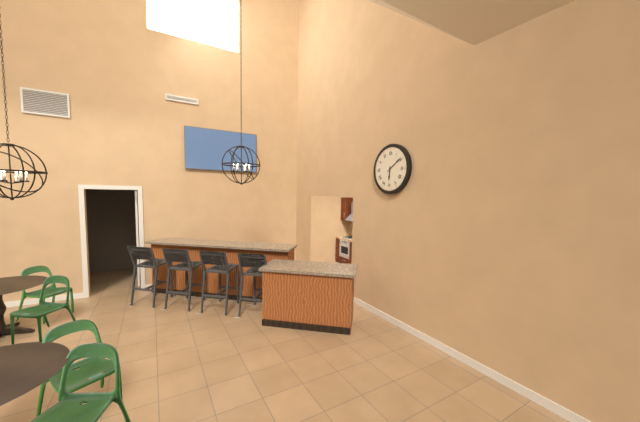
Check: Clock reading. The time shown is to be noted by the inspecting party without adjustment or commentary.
6:09
